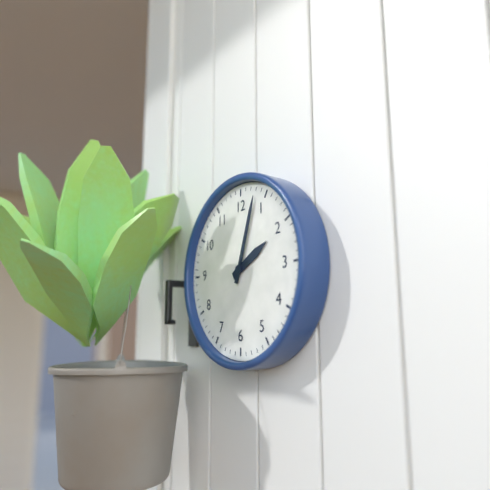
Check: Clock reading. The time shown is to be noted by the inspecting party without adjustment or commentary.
2:03
